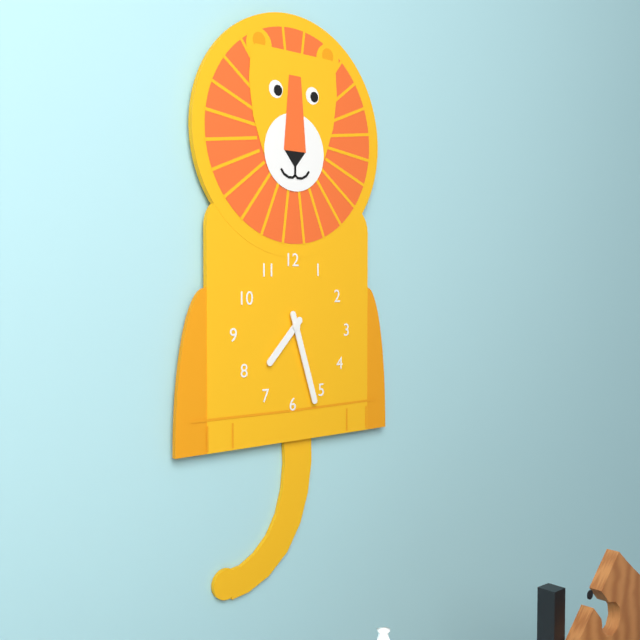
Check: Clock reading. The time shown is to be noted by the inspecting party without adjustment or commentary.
7:27
